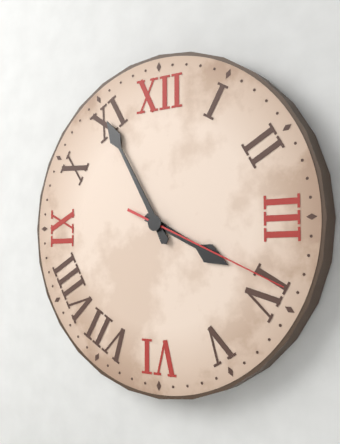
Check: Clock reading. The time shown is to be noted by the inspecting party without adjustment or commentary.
3:55:19
